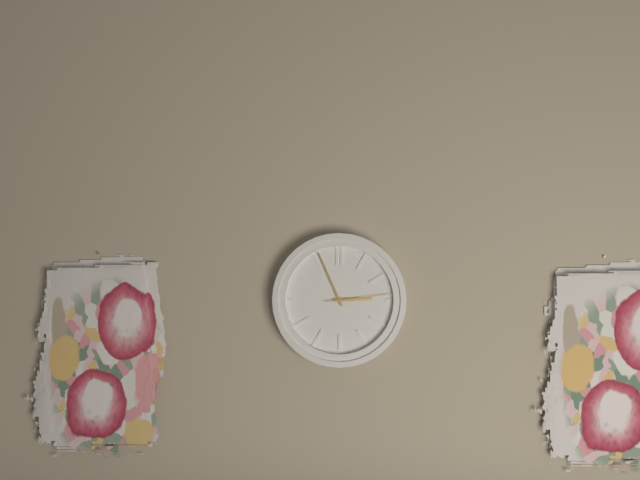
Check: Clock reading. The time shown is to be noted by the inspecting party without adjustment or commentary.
2:56:14
